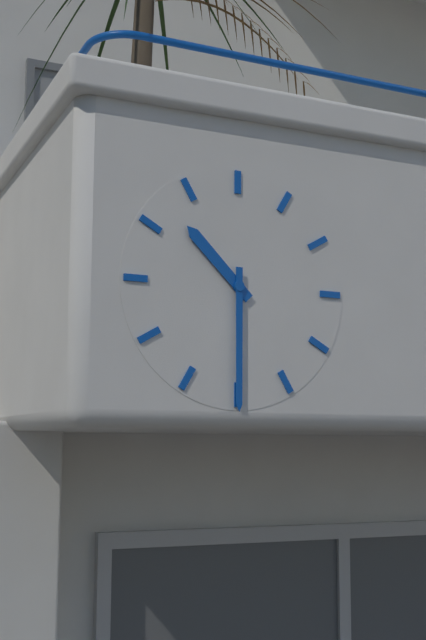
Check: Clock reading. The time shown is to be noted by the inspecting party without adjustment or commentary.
10:30
